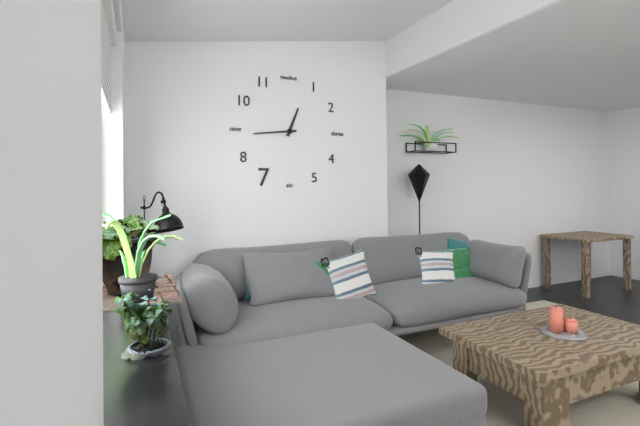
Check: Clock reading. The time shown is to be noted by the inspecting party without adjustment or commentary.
12:44
